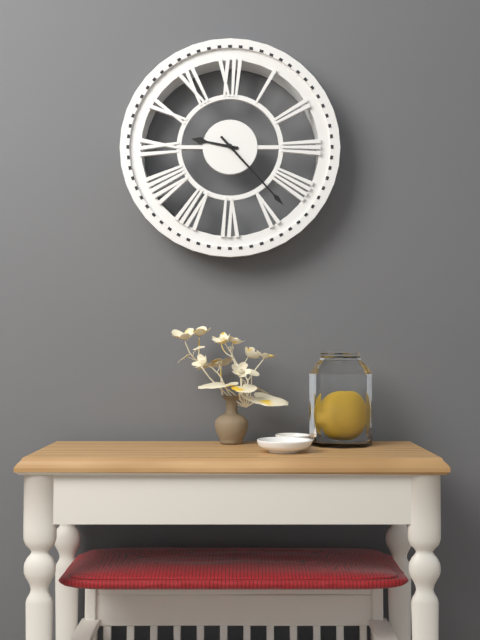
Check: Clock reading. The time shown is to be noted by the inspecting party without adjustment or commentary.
9:23
